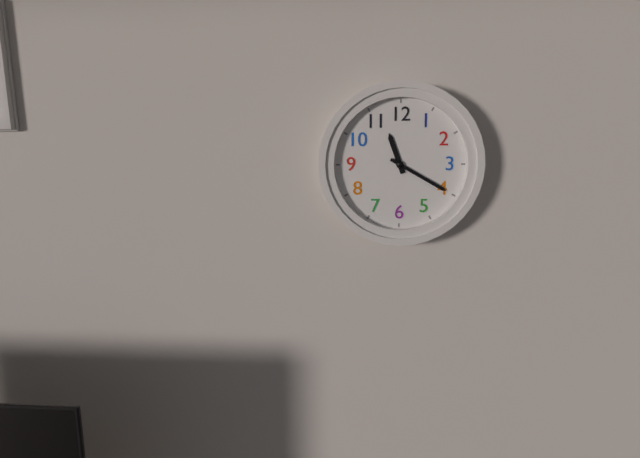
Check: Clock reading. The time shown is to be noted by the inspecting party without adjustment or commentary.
11:20
